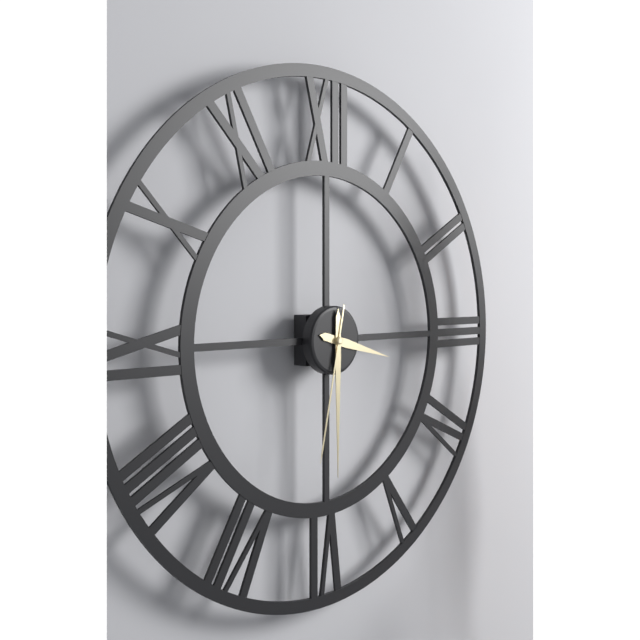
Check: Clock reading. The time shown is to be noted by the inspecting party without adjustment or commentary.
3:30:32
